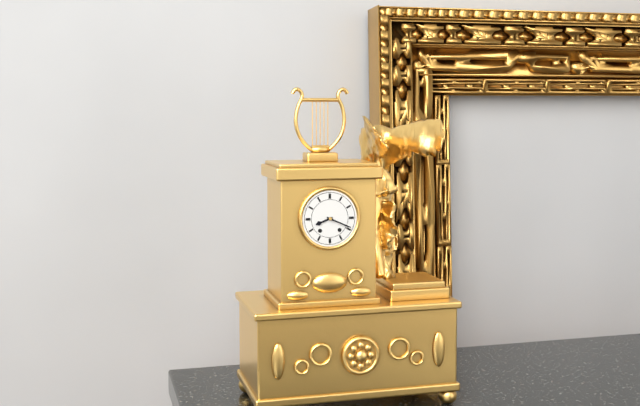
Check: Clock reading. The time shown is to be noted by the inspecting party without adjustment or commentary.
8:19
